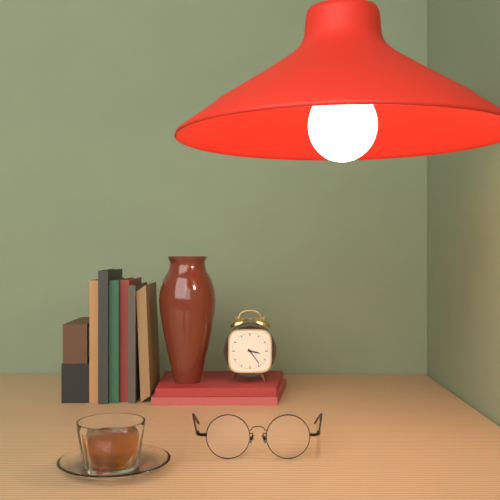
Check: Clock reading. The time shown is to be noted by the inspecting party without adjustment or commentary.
3:24
